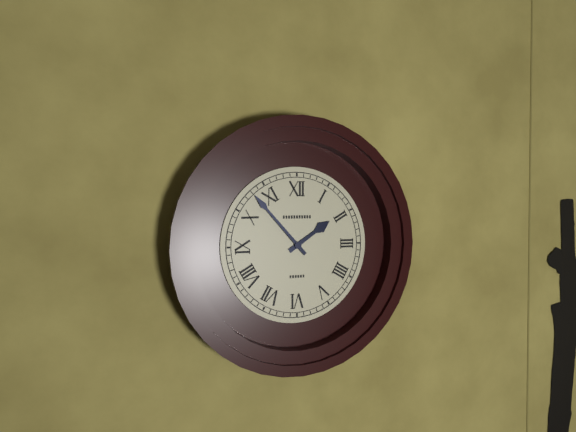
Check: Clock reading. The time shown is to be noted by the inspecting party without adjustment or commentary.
1:53
